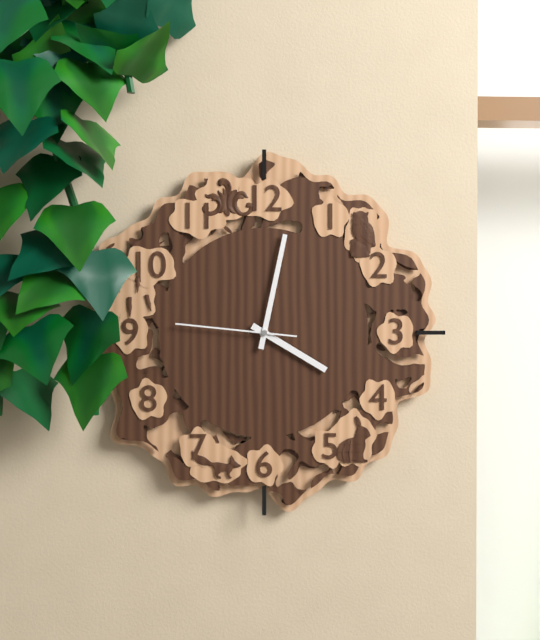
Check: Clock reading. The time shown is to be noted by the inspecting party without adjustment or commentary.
4:02:46
